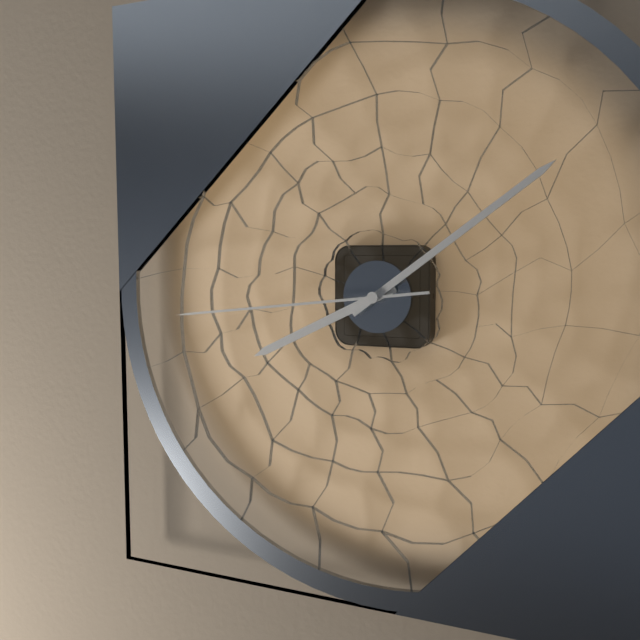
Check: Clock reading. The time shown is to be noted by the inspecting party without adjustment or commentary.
8:09:44
